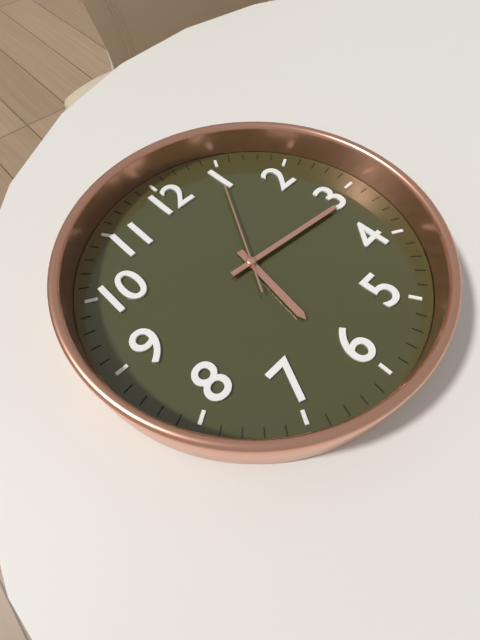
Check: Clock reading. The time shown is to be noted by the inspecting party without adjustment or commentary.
6:16:05
